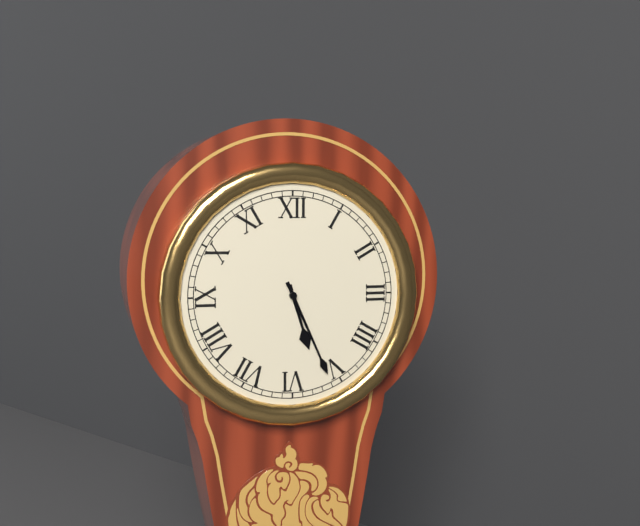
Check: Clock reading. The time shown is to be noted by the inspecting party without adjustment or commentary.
5:26
